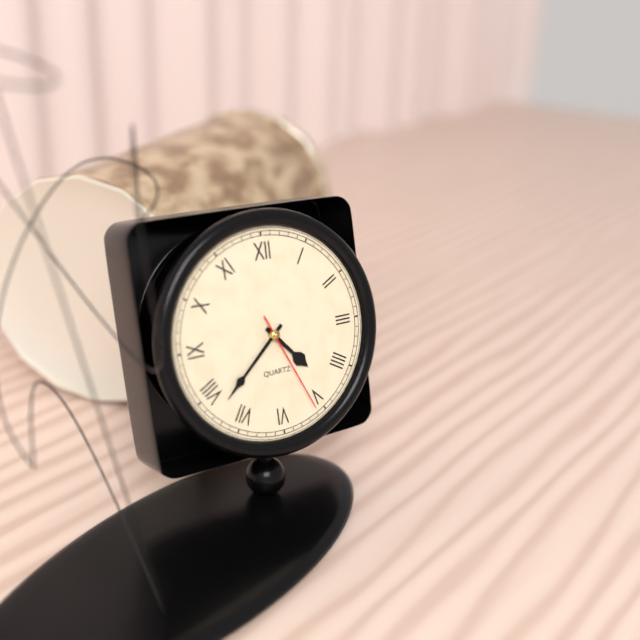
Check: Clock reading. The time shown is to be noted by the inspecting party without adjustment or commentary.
4:38:26
